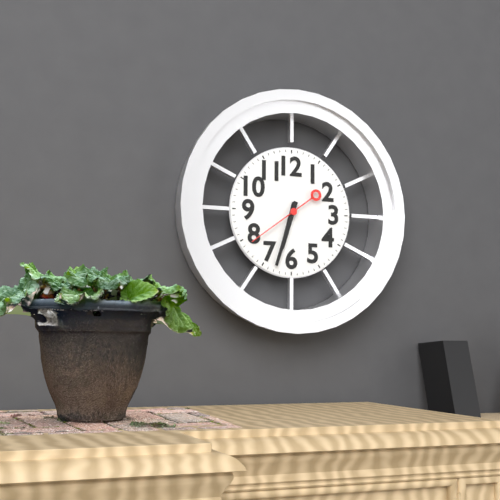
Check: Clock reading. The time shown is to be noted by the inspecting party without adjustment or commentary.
6:33:39
